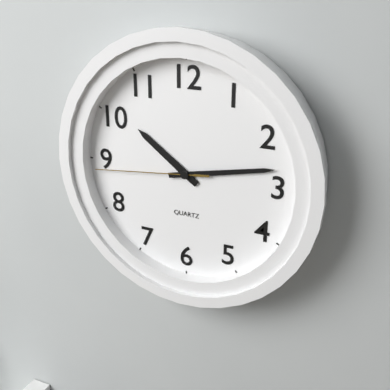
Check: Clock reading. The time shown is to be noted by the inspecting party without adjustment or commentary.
10:13:44
